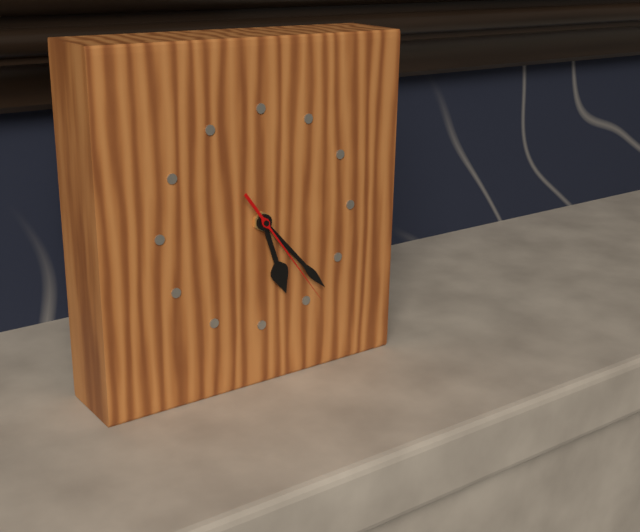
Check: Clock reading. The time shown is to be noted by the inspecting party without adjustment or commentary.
5:23:24
